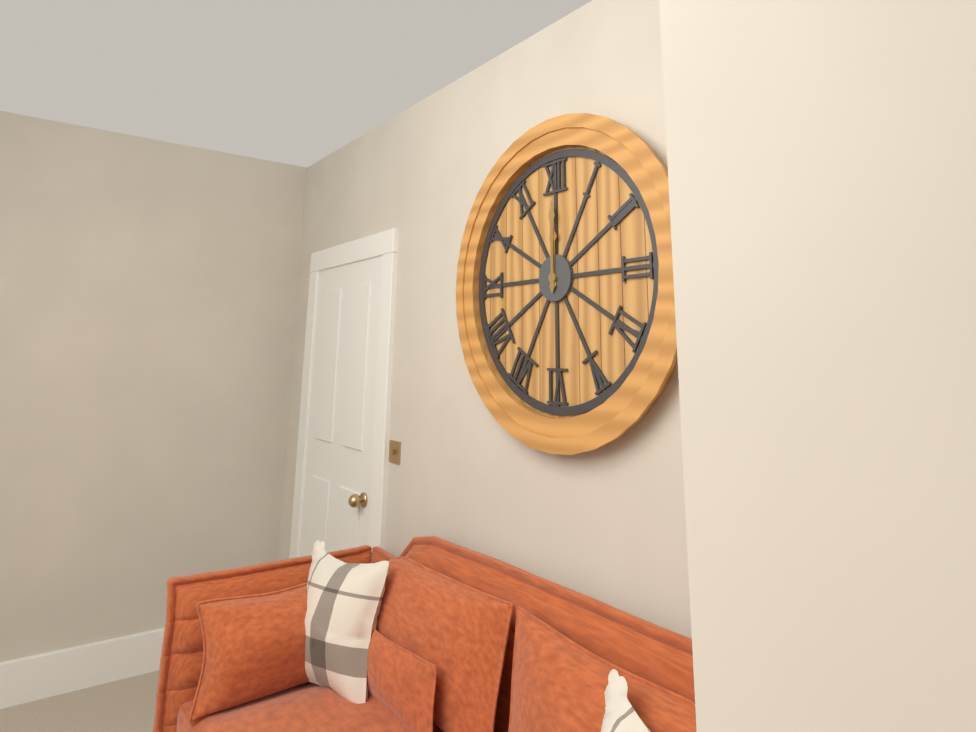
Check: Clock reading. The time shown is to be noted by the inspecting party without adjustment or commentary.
12:00
